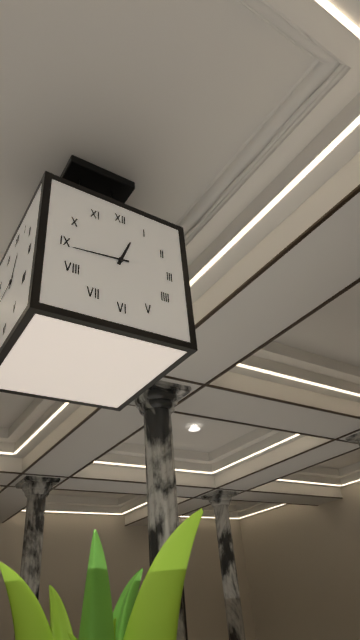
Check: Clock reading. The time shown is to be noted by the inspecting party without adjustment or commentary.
12:44
